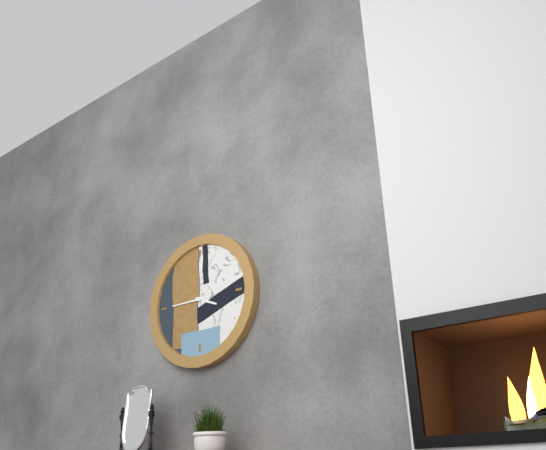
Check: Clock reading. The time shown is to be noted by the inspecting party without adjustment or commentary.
3:45
